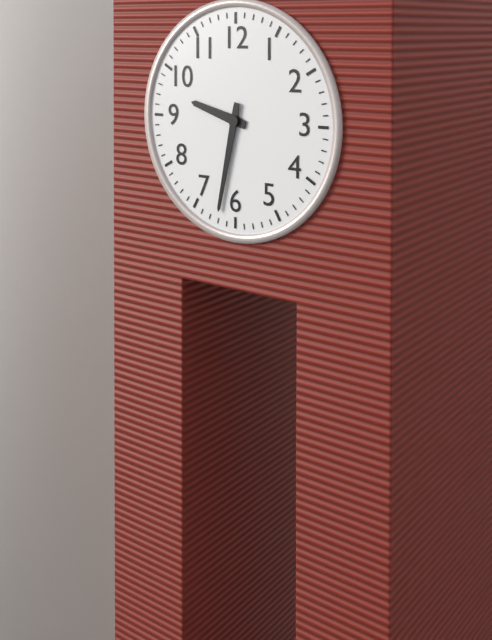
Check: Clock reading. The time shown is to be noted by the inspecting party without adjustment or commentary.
9:32
